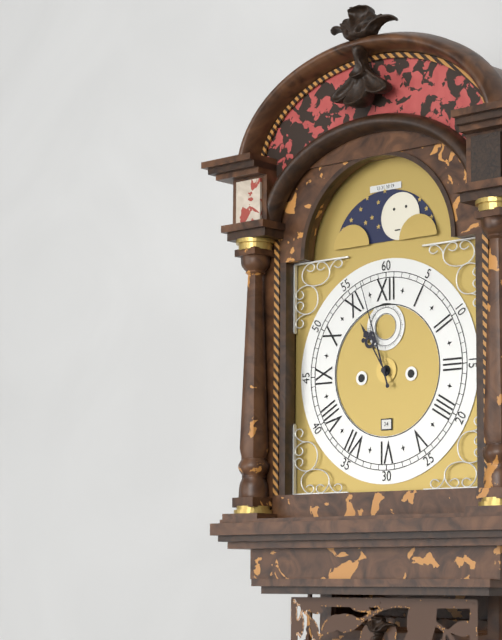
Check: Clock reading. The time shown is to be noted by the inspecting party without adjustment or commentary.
10:57
